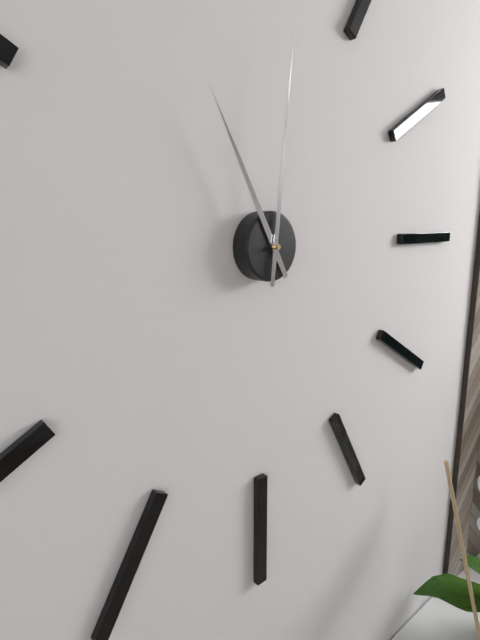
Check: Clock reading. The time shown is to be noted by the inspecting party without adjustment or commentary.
11:01
